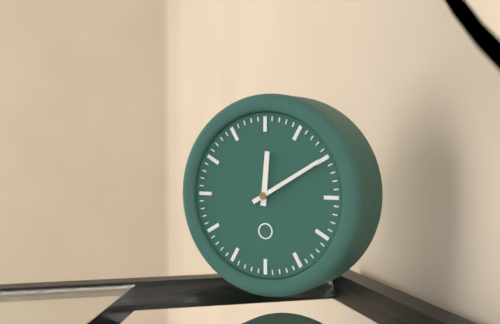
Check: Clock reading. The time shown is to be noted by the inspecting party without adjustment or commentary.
12:10
